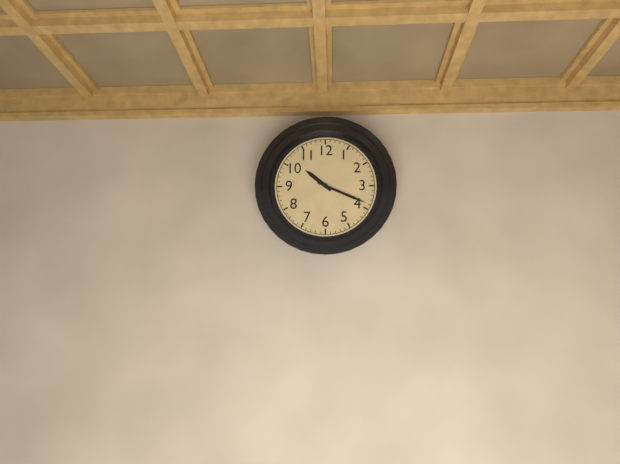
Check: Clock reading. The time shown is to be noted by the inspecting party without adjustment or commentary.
10:19
